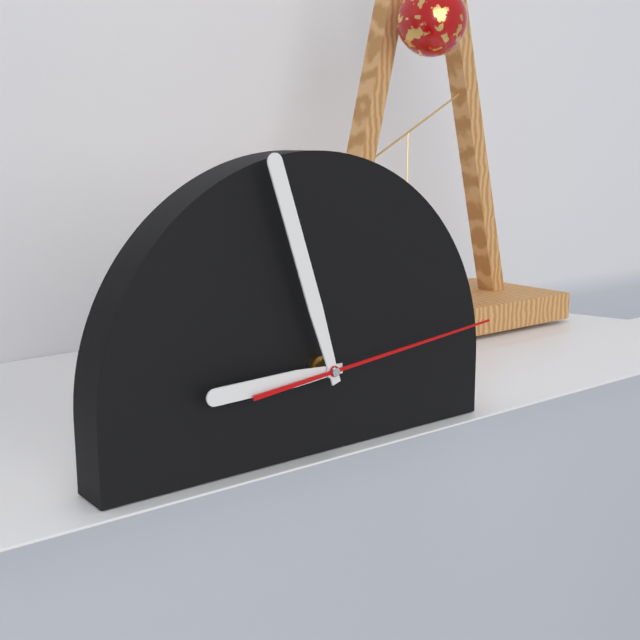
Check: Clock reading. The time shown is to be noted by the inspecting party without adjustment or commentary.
8:57:14
